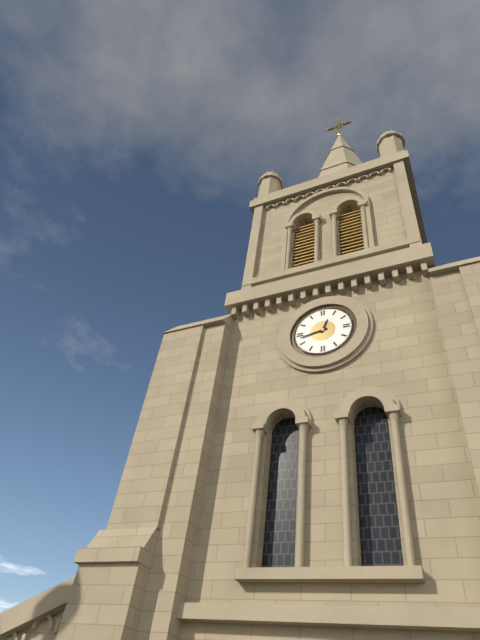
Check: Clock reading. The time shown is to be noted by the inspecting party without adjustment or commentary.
12:43
